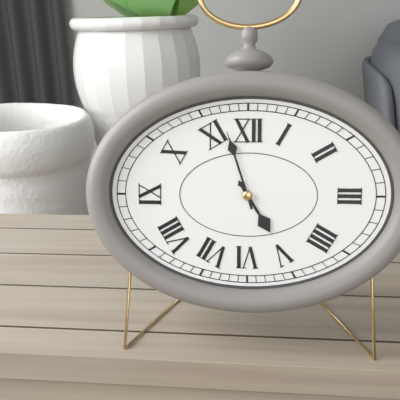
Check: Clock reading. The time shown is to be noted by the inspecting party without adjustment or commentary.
4:57
